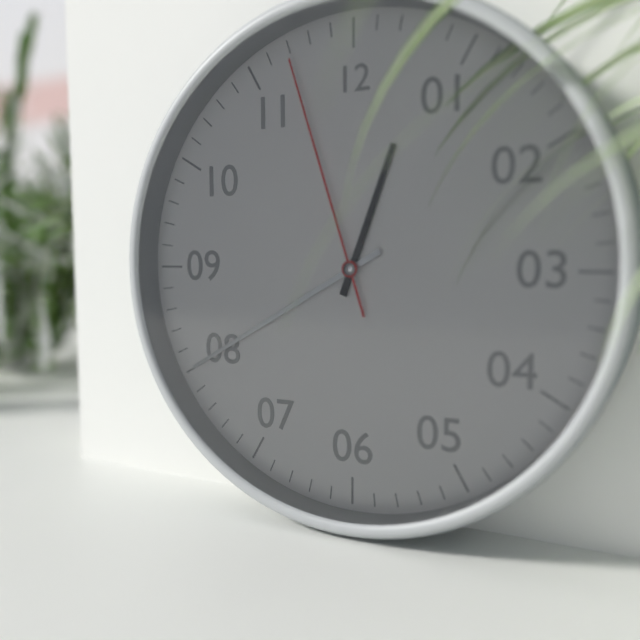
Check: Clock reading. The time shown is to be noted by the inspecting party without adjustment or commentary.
12:40:57
